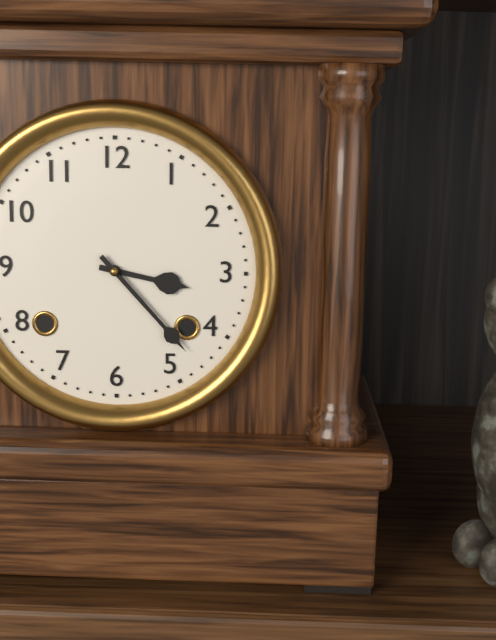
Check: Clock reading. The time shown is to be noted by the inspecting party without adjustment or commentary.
3:23
